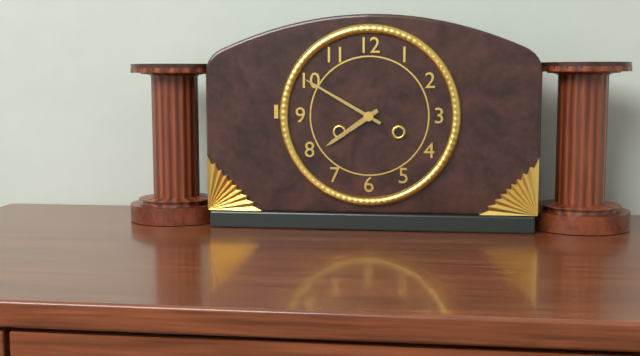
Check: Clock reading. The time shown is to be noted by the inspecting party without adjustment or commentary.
7:50
